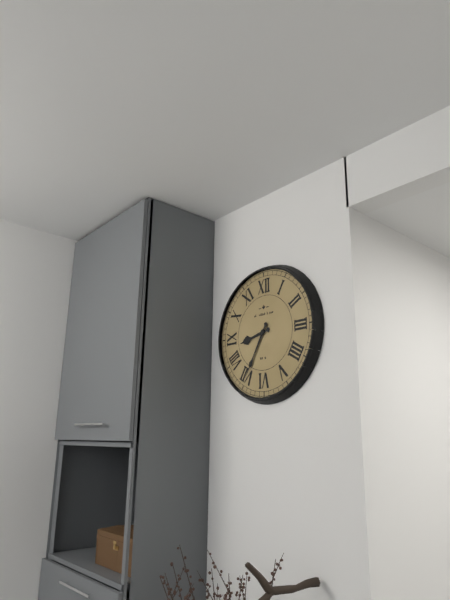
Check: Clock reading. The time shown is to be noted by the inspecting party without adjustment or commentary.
8:35
